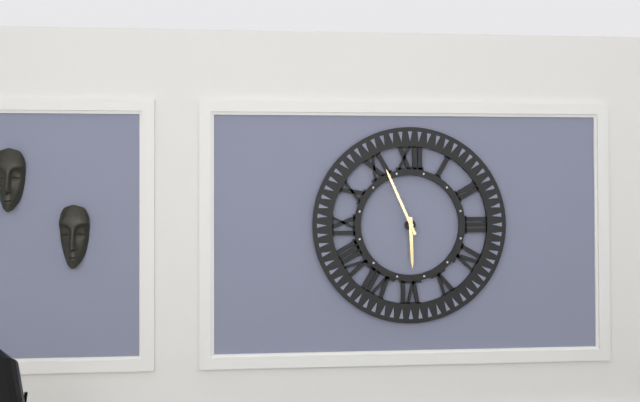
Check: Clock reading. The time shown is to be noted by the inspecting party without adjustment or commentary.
5:56
